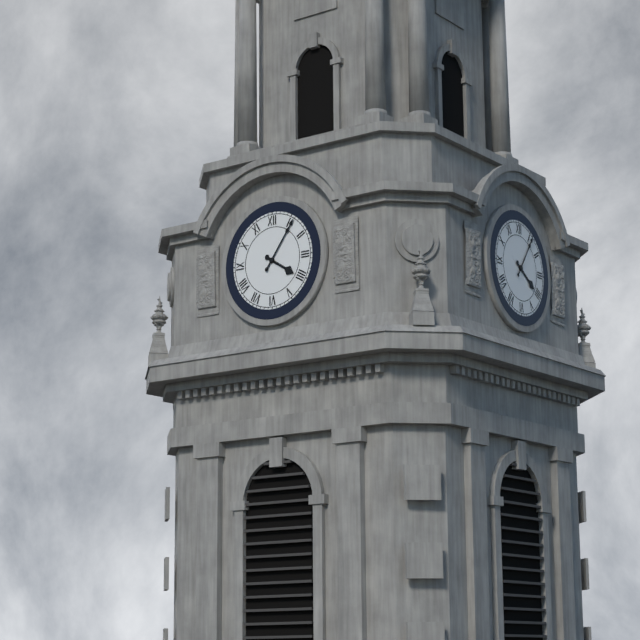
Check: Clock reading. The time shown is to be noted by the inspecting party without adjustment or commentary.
4:06
